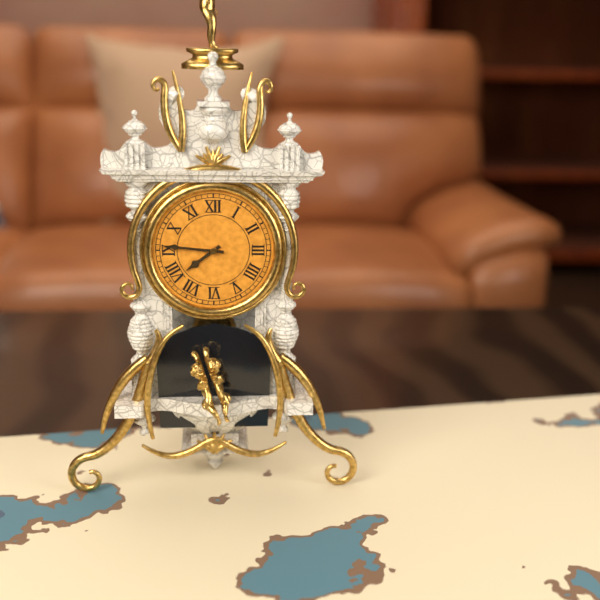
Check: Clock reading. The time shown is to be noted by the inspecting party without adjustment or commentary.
7:46
